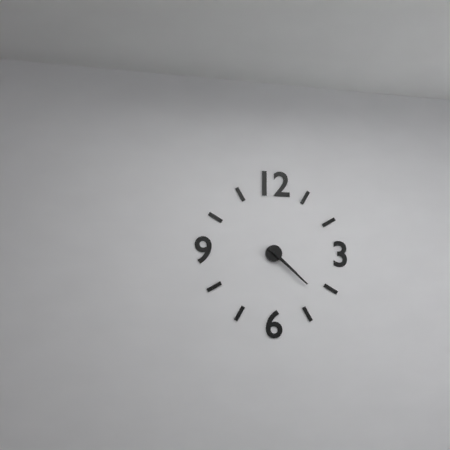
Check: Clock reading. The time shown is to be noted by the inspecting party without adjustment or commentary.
4:22
